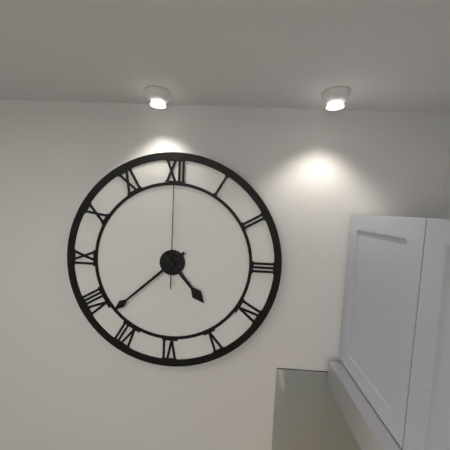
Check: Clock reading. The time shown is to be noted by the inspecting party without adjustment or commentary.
4:38:00
